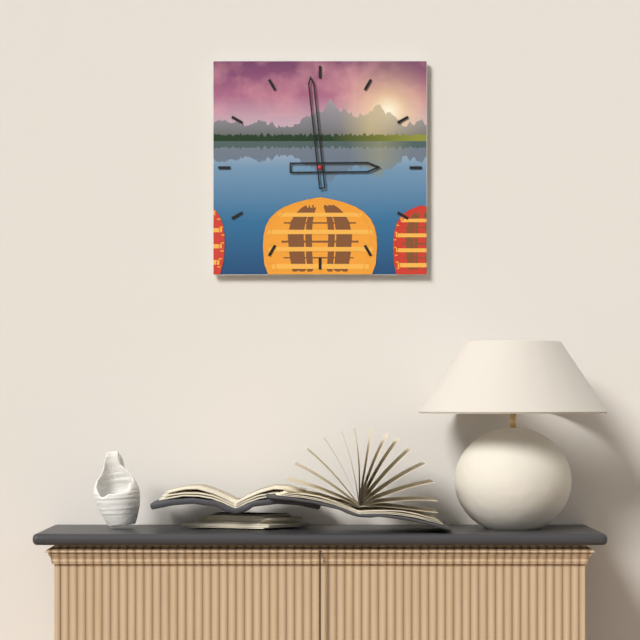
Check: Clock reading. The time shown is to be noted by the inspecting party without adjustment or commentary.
2:59
